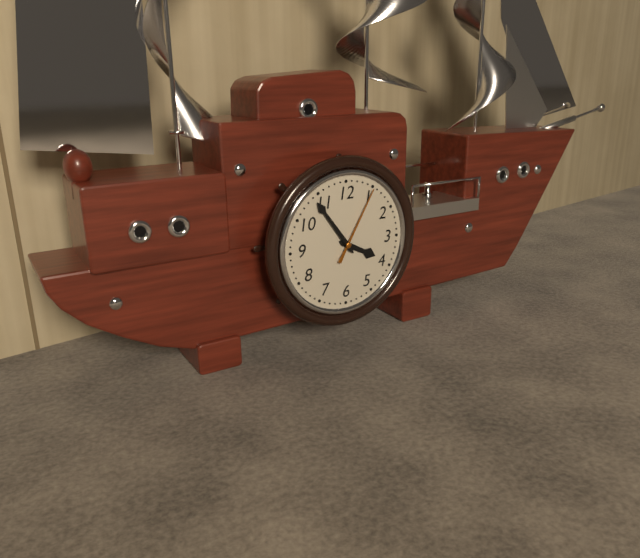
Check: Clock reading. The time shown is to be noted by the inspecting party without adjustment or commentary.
3:54:05
